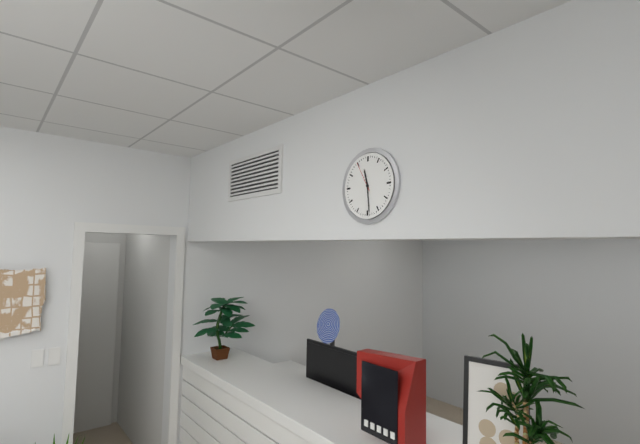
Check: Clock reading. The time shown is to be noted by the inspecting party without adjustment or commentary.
11:29
